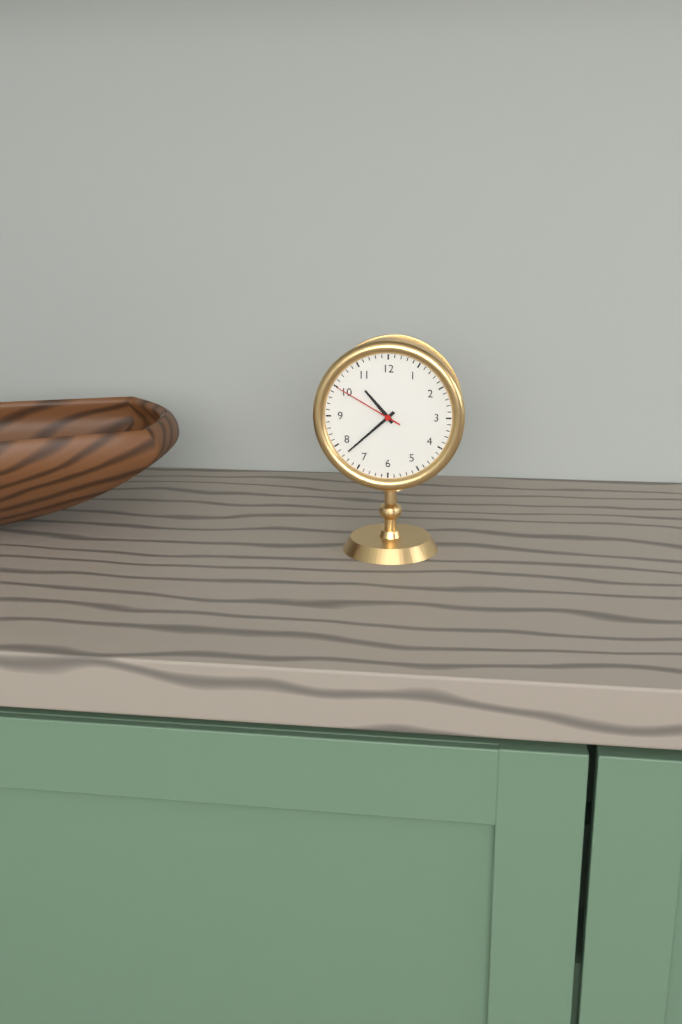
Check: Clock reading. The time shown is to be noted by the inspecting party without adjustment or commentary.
10:38:50
